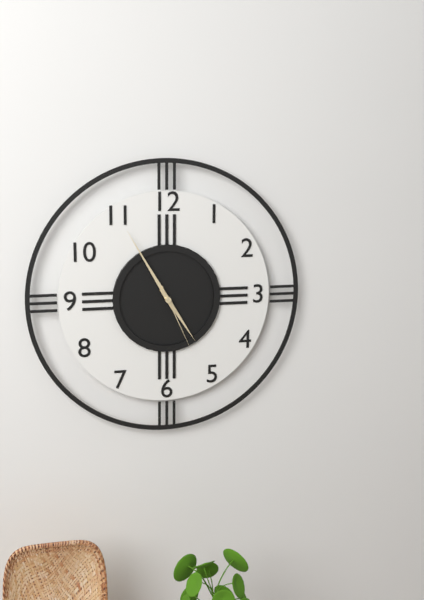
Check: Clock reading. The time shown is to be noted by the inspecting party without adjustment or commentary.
4:55:26
